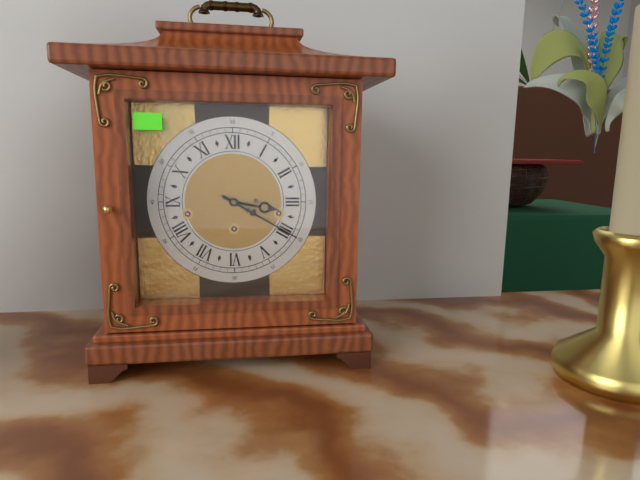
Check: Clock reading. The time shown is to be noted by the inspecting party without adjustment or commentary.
3:20
